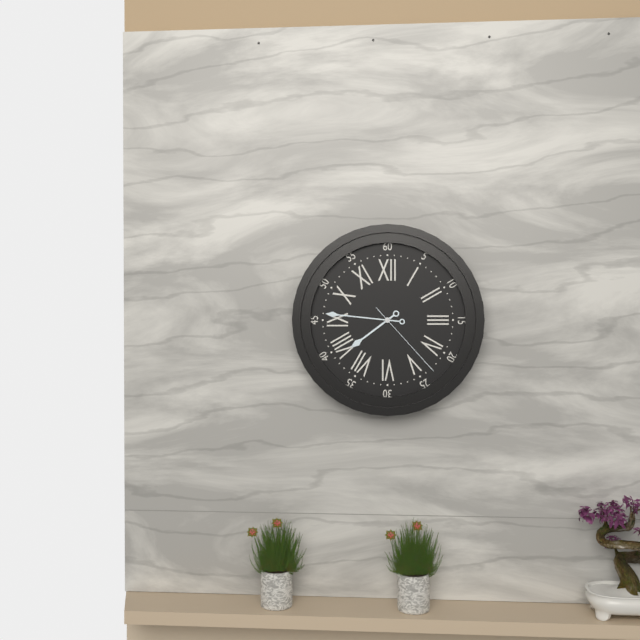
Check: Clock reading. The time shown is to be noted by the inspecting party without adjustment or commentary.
7:46:23
